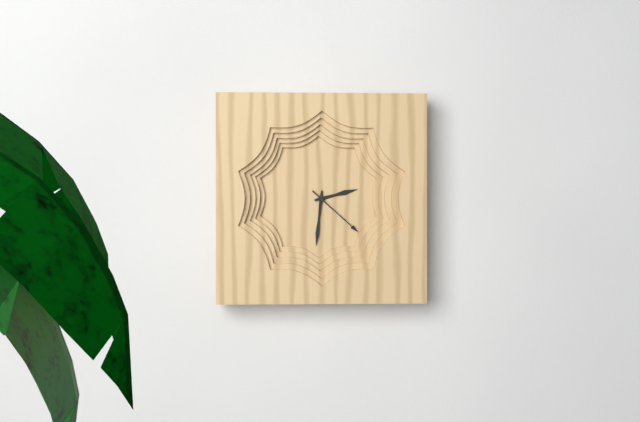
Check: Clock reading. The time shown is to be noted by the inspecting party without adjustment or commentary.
2:31:22
